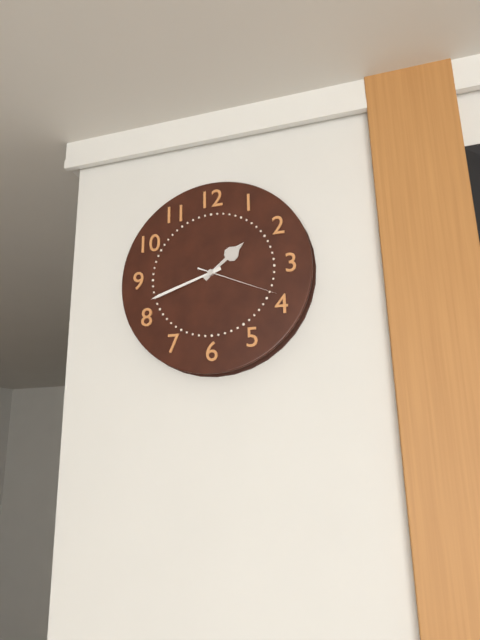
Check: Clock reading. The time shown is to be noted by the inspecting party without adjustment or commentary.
1:42:19
